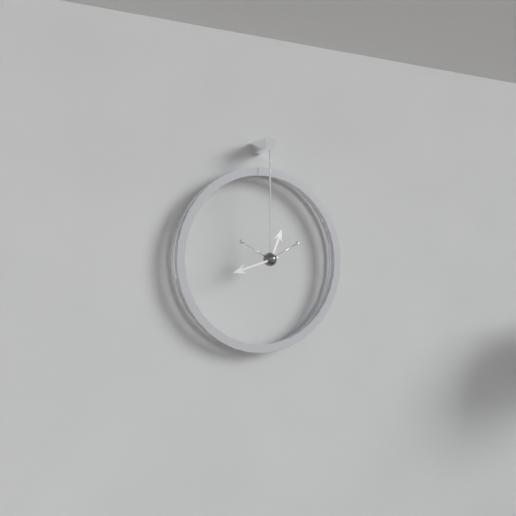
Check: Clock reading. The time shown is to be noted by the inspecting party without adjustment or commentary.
12:42
